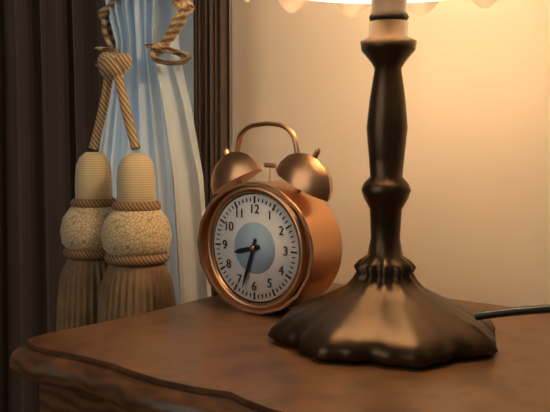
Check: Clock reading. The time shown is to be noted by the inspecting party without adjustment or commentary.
8:33
